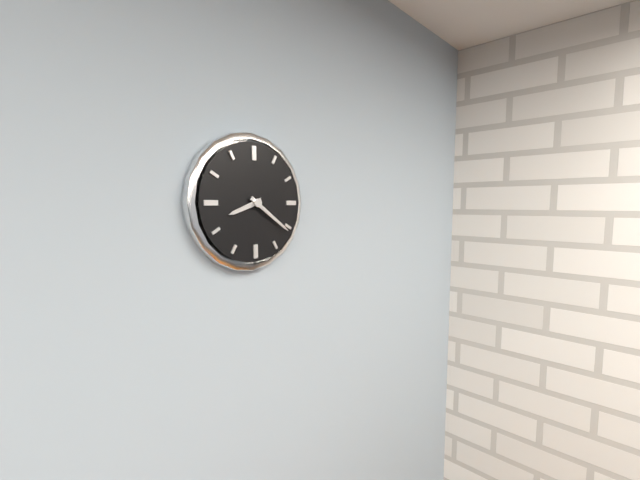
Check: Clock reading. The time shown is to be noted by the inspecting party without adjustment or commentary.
8:21
